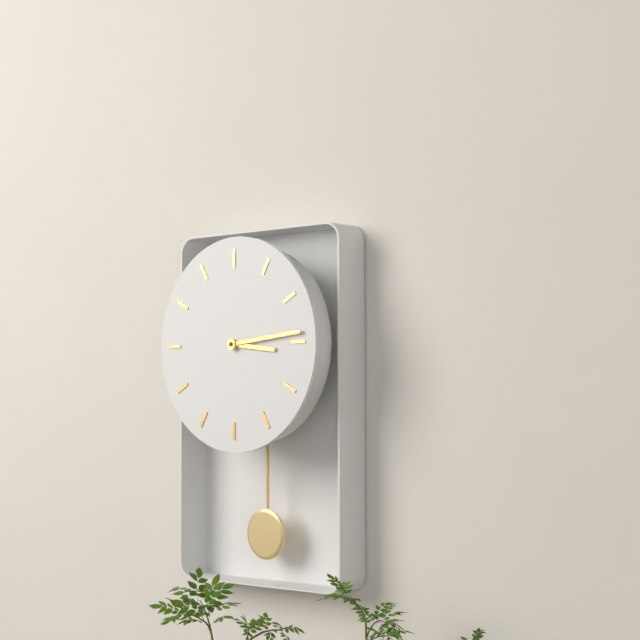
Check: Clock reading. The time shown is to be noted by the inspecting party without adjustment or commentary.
3:14
